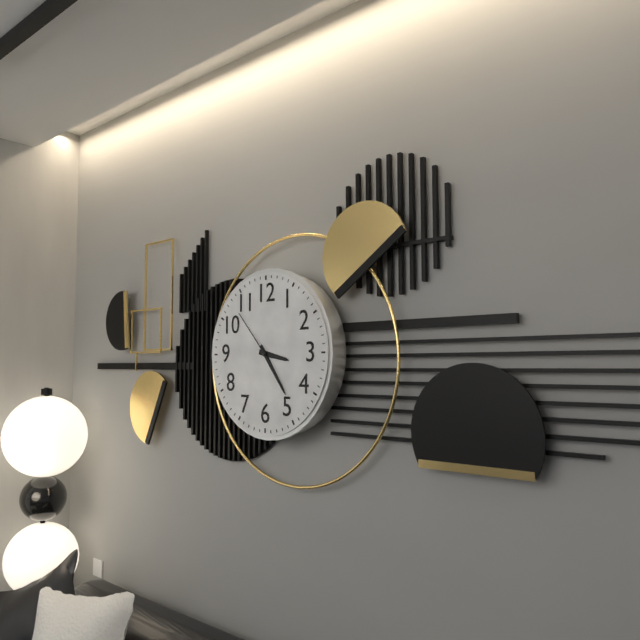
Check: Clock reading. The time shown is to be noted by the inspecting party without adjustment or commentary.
3:24:53
